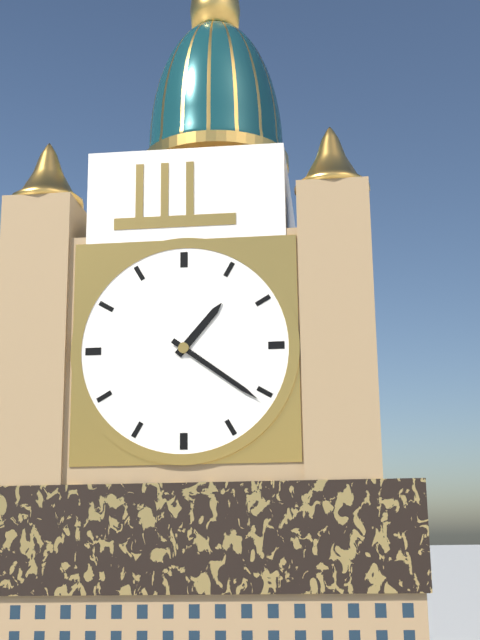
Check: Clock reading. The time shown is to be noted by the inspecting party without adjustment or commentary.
1:21
